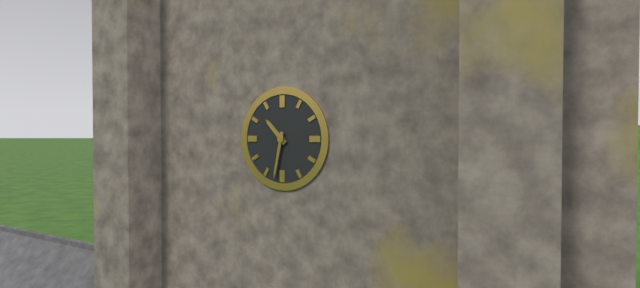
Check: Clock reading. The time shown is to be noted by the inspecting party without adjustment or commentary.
10:32
